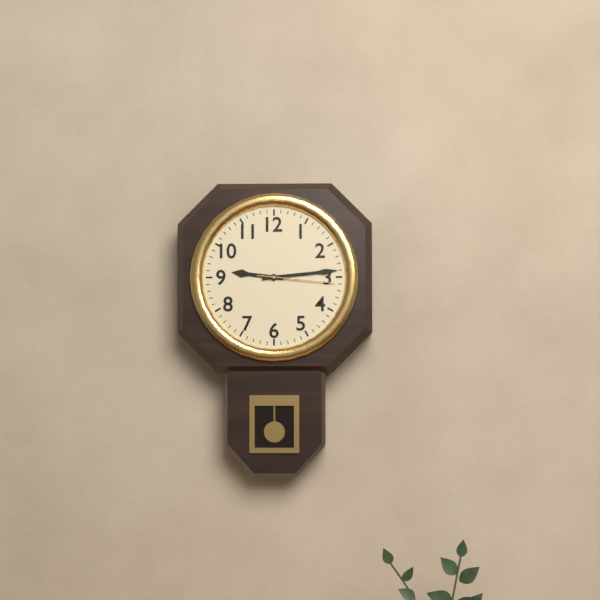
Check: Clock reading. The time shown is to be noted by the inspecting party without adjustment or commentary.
9:14:16
